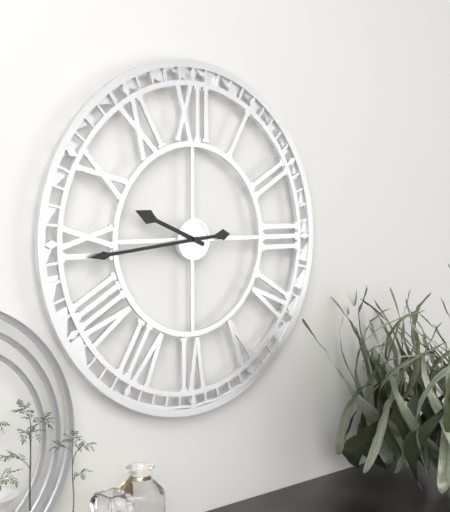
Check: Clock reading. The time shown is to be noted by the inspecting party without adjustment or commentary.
9:44
